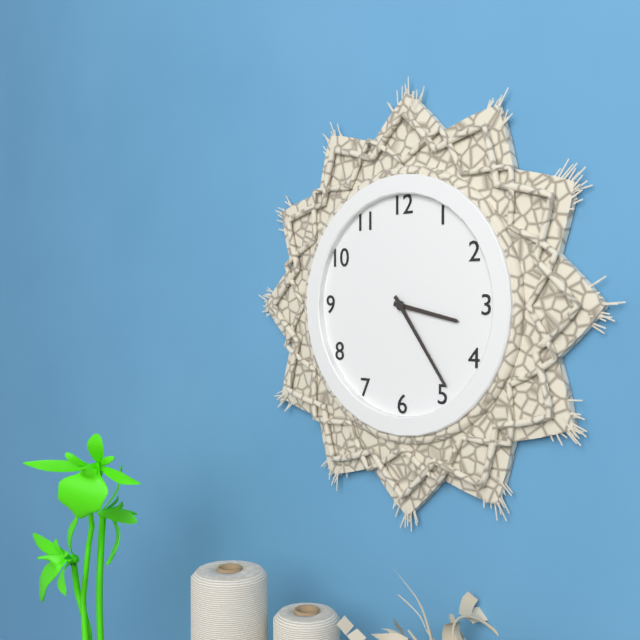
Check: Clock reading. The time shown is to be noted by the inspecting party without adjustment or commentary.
3:24
